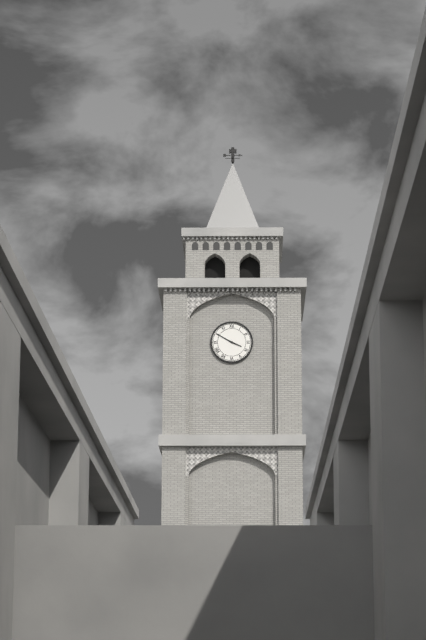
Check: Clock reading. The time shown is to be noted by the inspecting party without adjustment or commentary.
3:50
